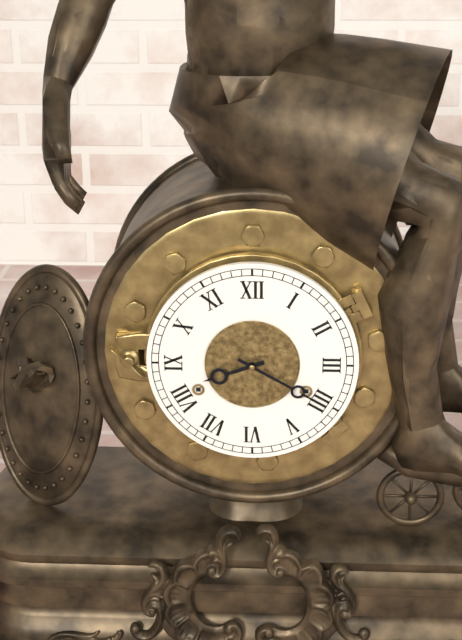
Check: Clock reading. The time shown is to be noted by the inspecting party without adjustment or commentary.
8:20
